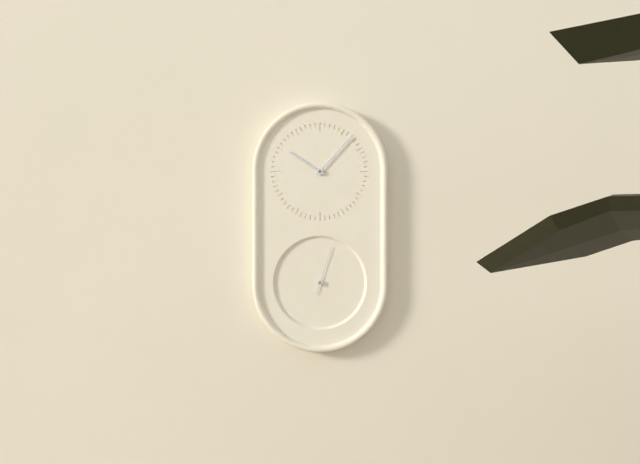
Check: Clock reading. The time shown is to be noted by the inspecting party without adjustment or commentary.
10:07
